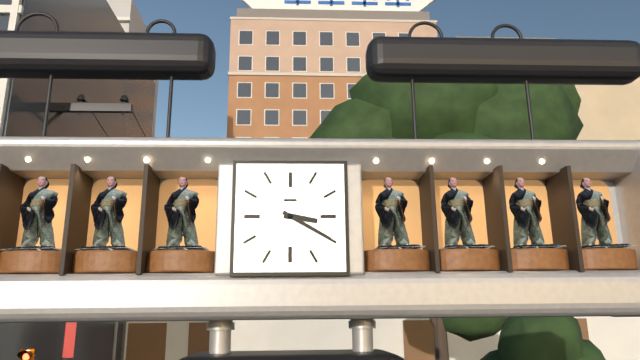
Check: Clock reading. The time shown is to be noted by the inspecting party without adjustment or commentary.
3:20
